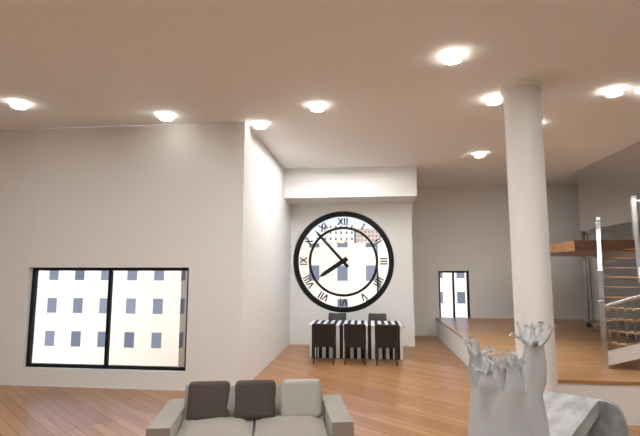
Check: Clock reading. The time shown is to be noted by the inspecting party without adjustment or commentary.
7:53
